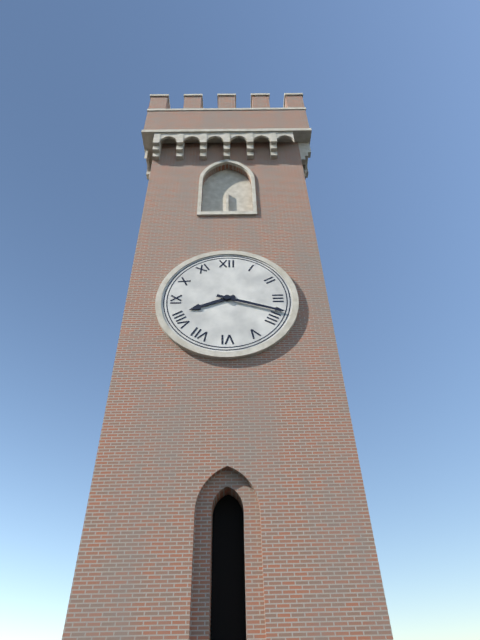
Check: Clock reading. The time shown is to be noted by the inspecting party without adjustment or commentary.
8:18
